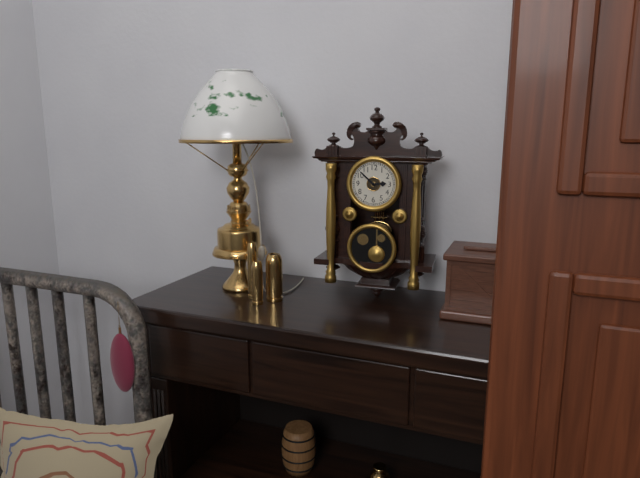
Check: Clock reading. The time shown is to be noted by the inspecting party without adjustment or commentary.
2:52
